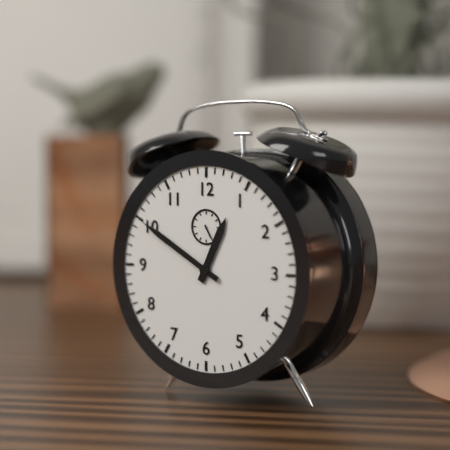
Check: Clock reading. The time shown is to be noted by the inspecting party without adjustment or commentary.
12:50
